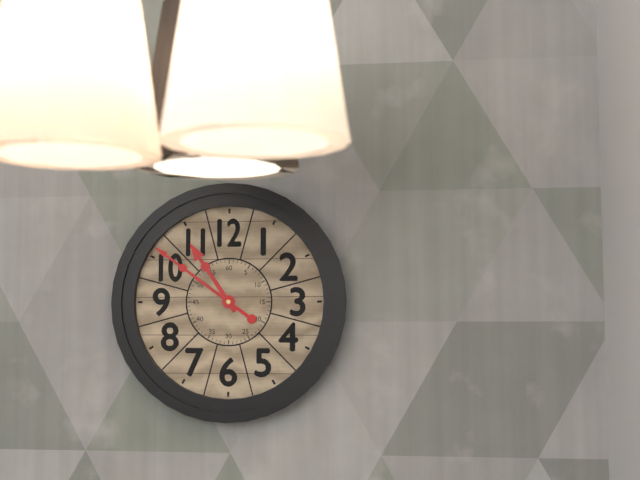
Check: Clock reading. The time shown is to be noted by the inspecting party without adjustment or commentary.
10:51
